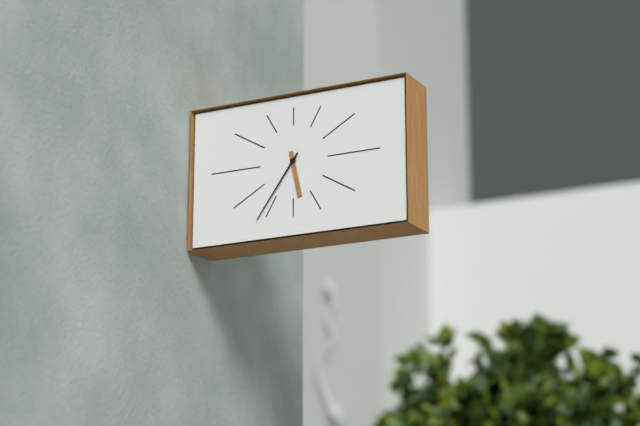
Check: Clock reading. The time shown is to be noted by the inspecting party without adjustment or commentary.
5:36
